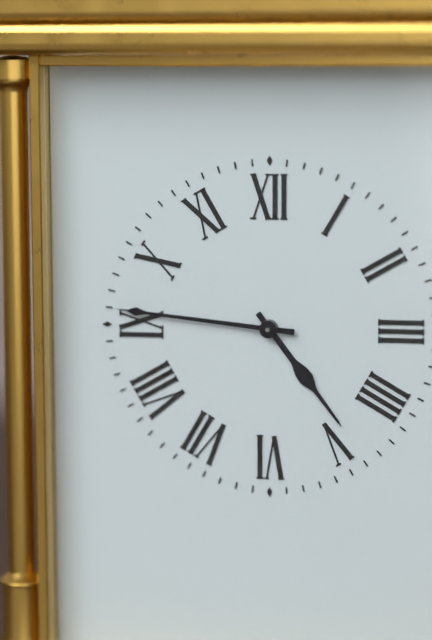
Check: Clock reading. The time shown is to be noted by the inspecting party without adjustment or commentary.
4:46
